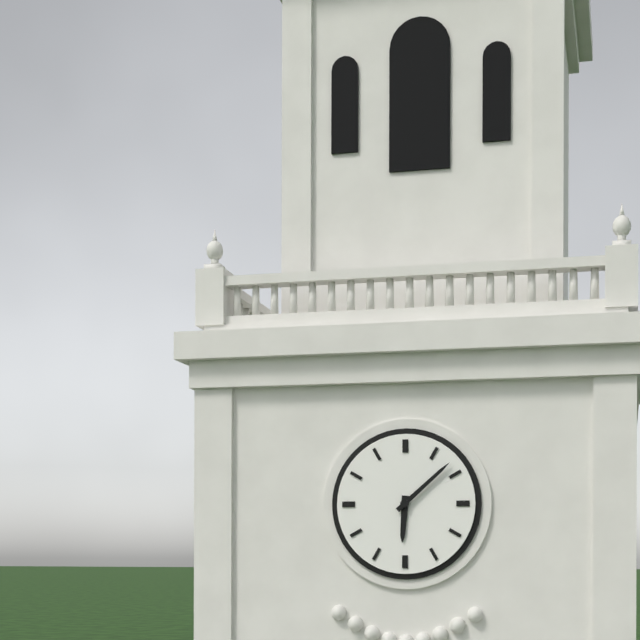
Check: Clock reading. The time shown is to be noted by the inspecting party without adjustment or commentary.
6:08
